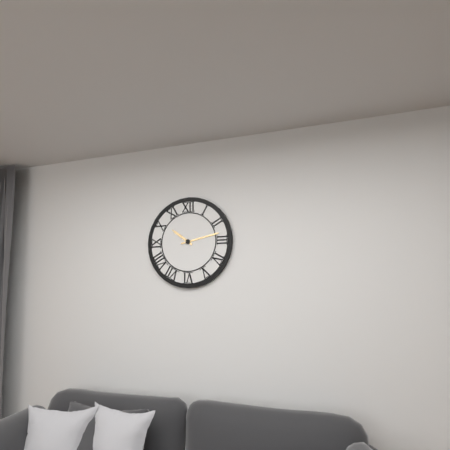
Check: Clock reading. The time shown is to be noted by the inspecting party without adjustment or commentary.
10:13
